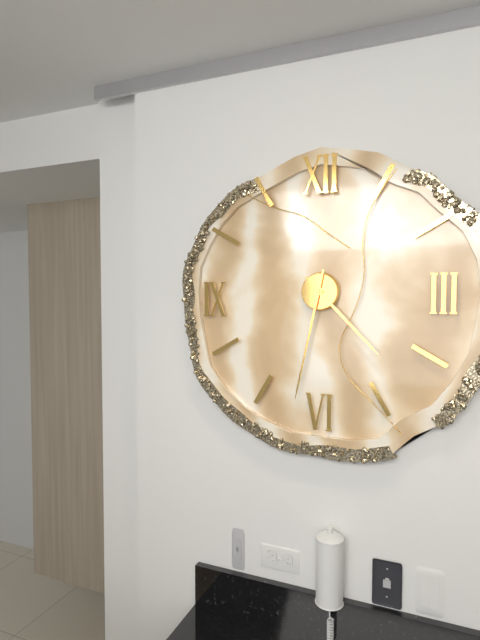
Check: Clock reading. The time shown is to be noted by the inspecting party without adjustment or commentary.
4:32
